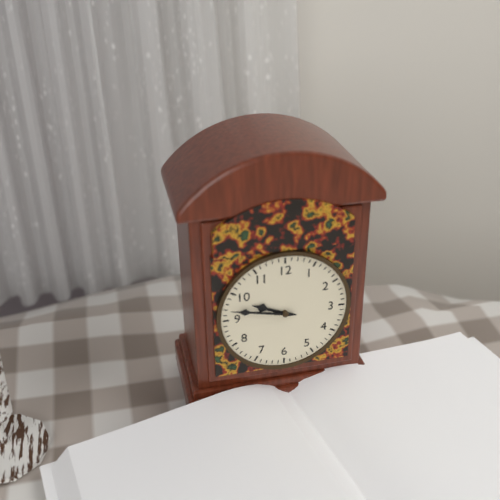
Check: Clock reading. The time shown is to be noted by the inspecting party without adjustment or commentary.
9:47
